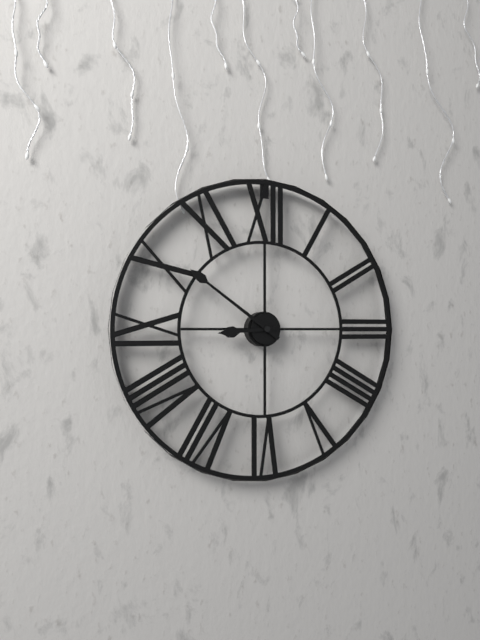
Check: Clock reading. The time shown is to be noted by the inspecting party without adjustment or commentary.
8:51
